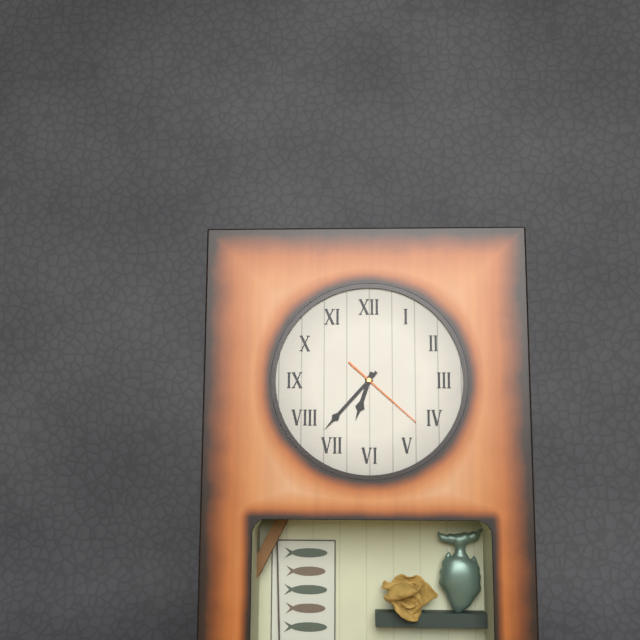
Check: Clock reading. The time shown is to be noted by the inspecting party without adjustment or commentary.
6:37:22
